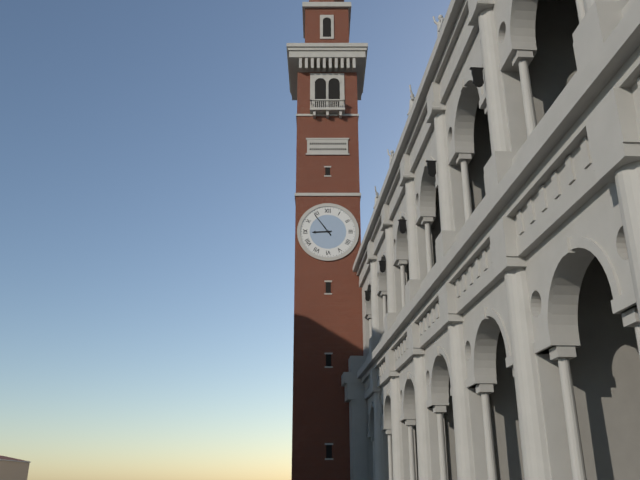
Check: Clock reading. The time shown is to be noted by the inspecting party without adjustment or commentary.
8:54
